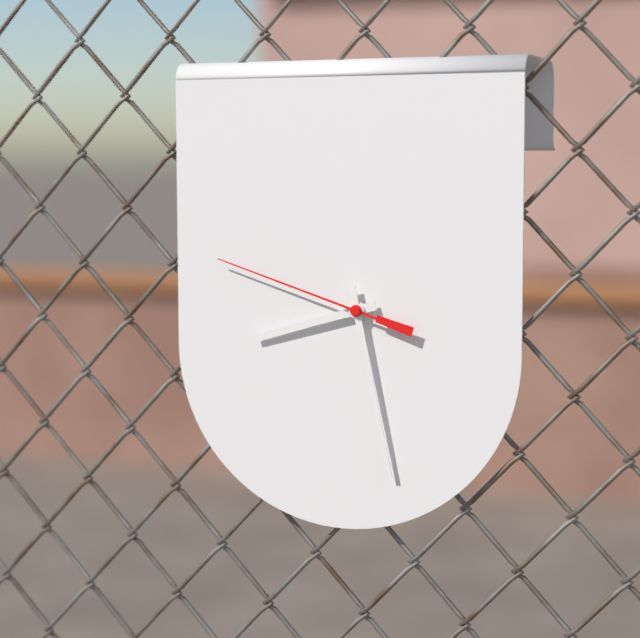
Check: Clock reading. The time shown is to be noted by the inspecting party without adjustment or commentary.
8:28:48
